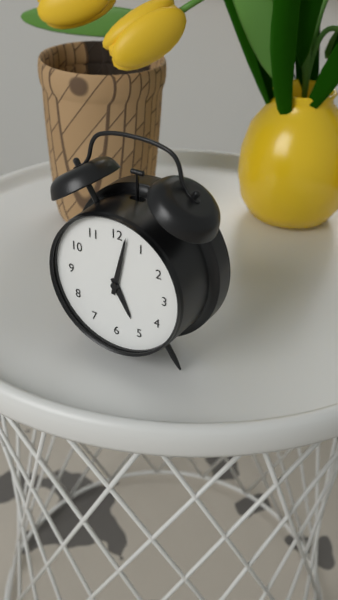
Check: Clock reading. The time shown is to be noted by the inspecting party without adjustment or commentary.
5:02
